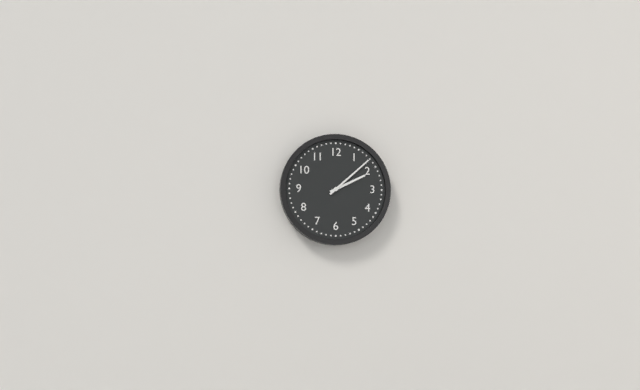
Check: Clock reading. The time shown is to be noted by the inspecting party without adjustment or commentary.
2:08
